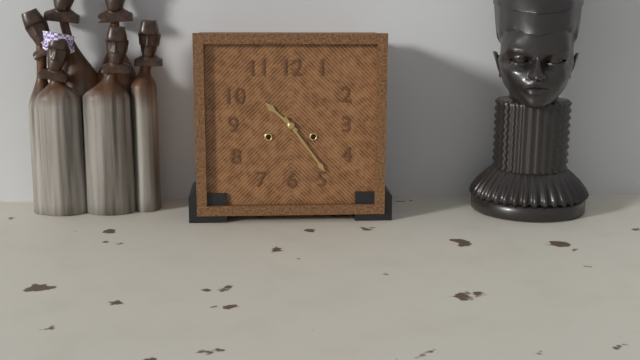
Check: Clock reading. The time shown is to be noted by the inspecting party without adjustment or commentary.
10:24
